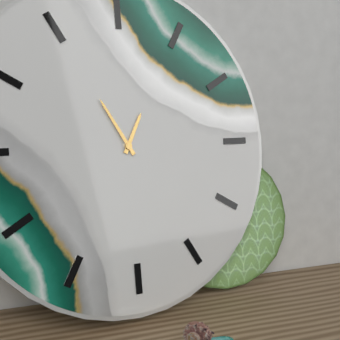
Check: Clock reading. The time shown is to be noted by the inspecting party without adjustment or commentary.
12:55
